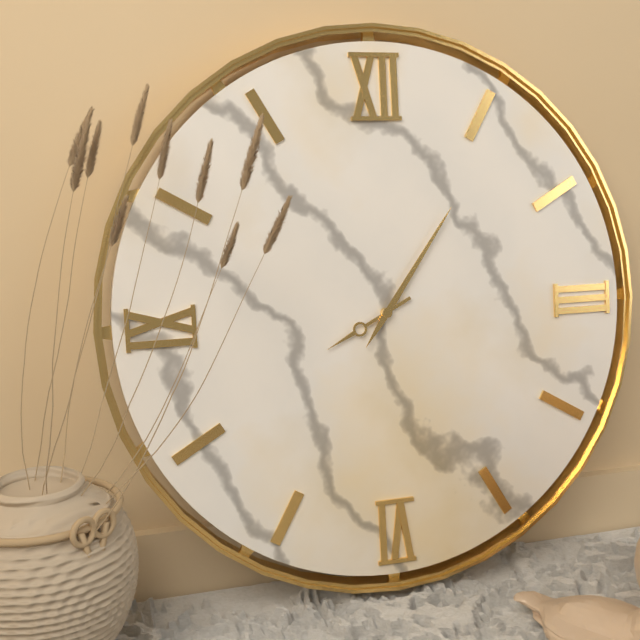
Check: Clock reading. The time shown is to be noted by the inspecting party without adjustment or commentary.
8:06
